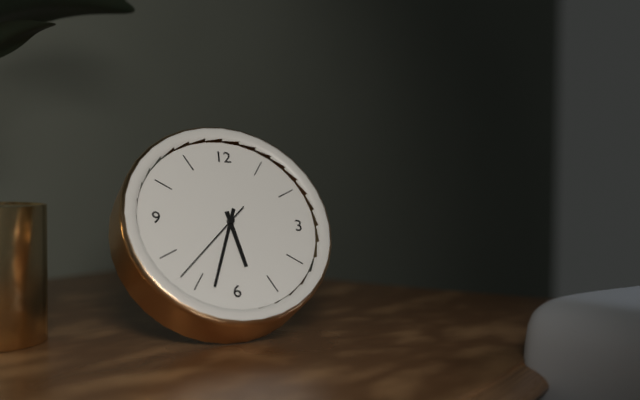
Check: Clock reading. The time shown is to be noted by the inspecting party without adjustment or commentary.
5:33:37
